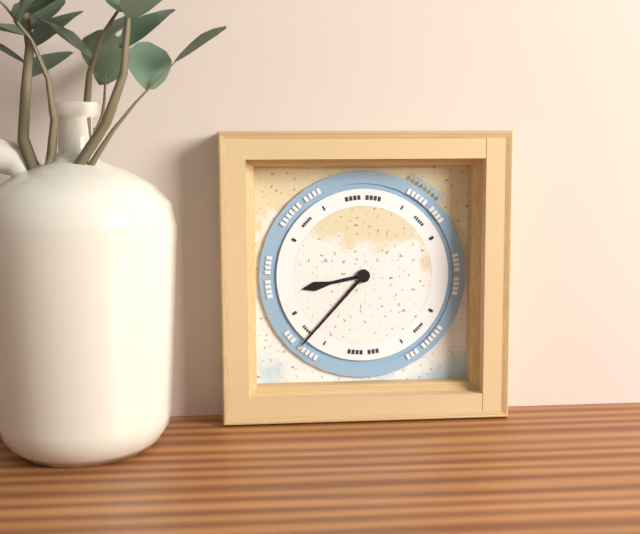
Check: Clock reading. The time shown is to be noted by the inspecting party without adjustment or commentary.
8:37
